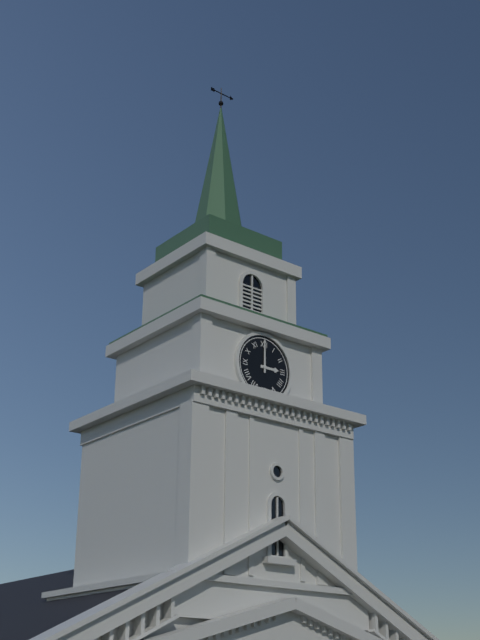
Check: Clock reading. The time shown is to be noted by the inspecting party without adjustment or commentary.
3:00
